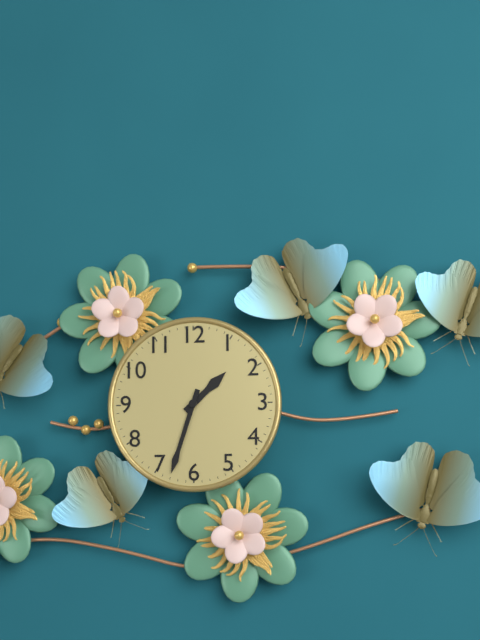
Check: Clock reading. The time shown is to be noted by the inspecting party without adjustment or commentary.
1:33
